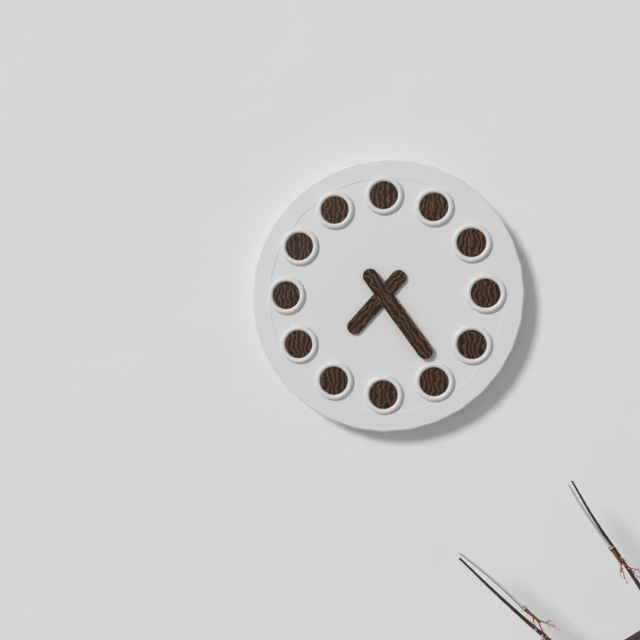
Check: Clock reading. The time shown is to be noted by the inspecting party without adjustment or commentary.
7:24
